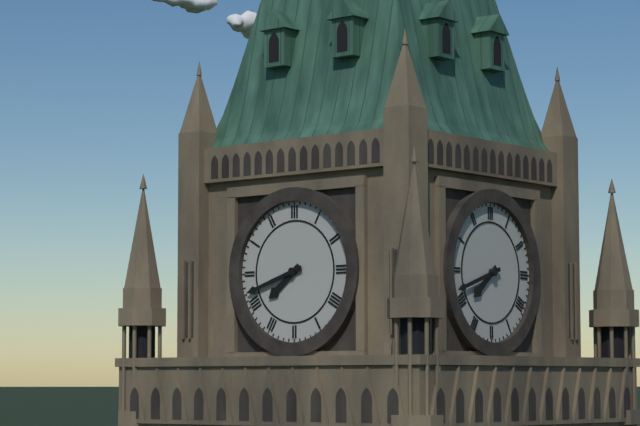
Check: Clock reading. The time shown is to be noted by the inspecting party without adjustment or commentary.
7:42
